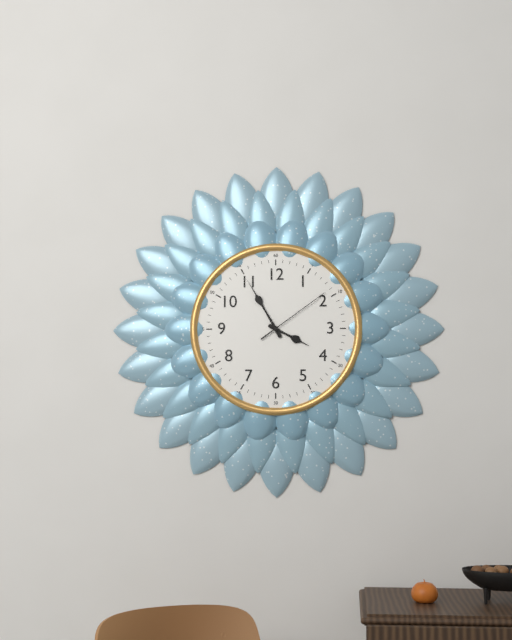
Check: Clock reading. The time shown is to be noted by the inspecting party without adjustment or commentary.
3:55:09
